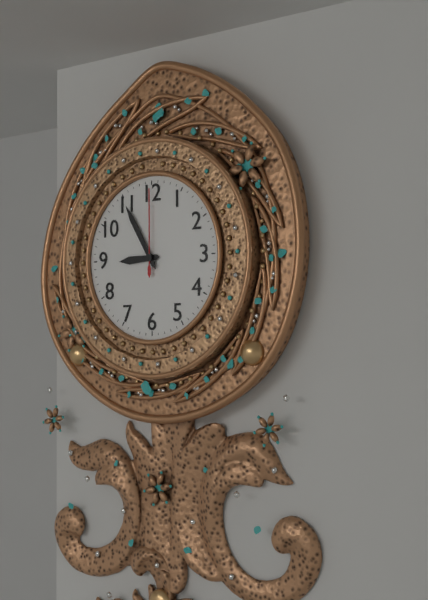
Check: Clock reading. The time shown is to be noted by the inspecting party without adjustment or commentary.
8:55:00
